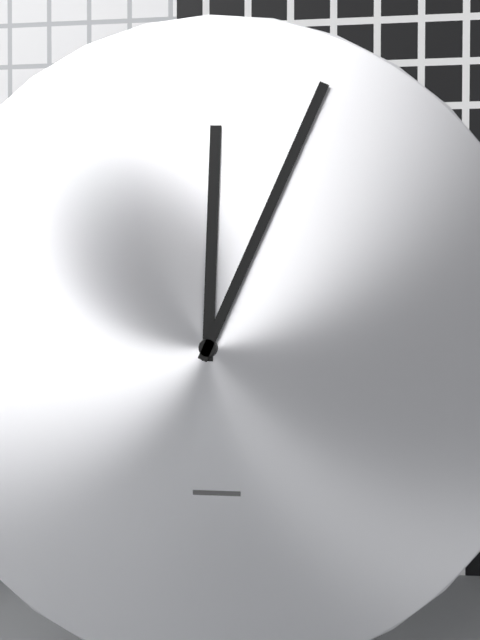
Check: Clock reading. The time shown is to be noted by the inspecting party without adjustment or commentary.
12:04
